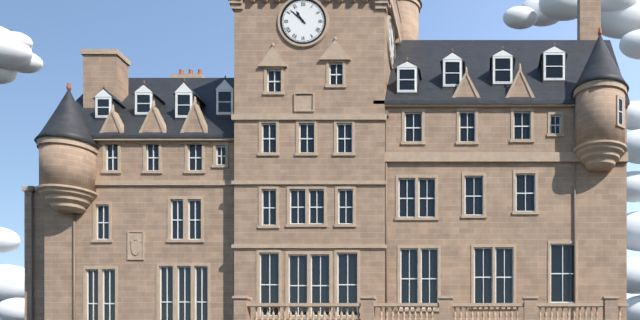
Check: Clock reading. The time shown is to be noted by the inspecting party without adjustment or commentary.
10:52
